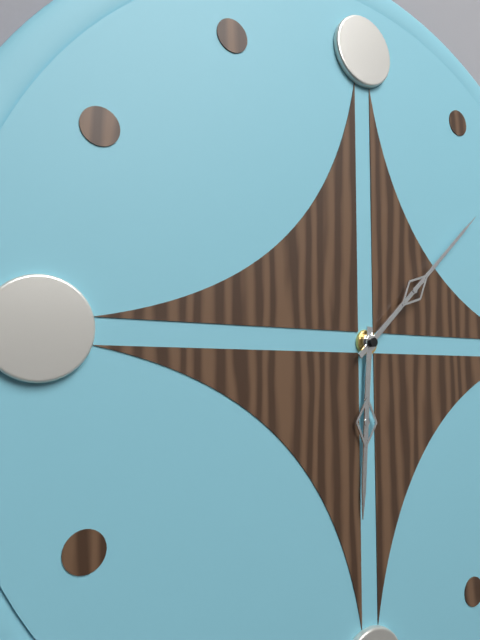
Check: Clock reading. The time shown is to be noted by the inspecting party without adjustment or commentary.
6:08
